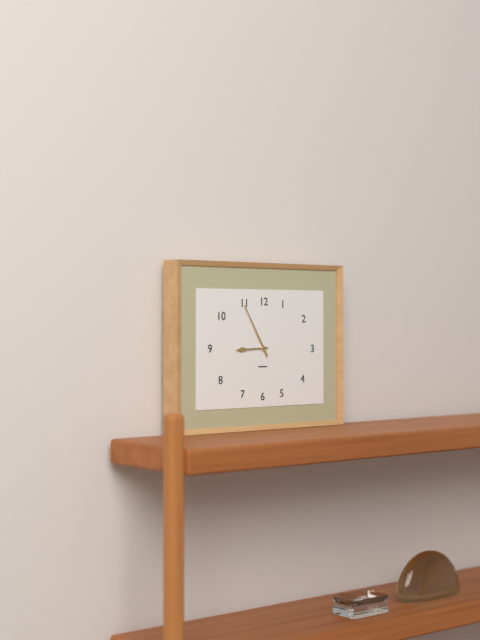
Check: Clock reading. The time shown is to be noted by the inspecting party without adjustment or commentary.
8:55
